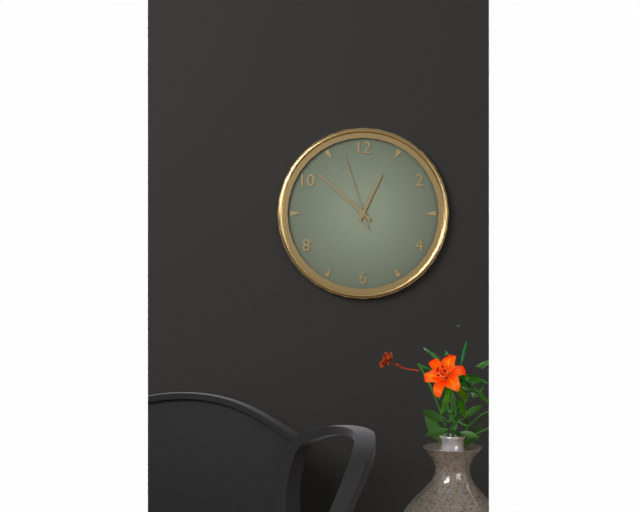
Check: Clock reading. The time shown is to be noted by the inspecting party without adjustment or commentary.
12:52:57
